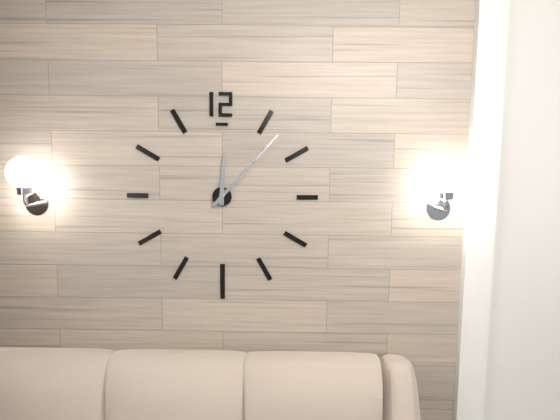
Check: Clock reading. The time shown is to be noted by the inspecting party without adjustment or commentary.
12:07
